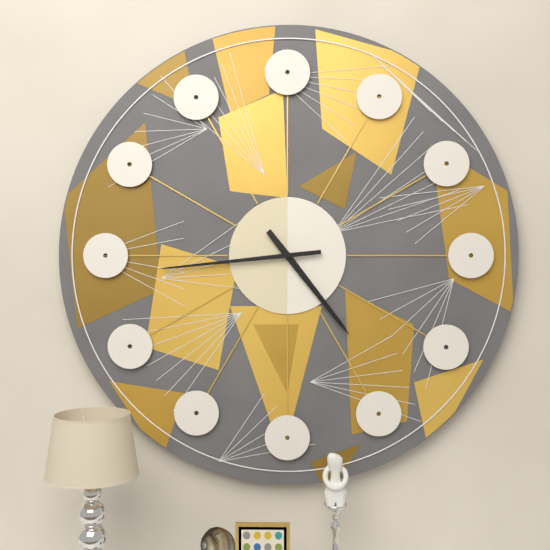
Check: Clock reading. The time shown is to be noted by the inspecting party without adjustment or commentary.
4:44
